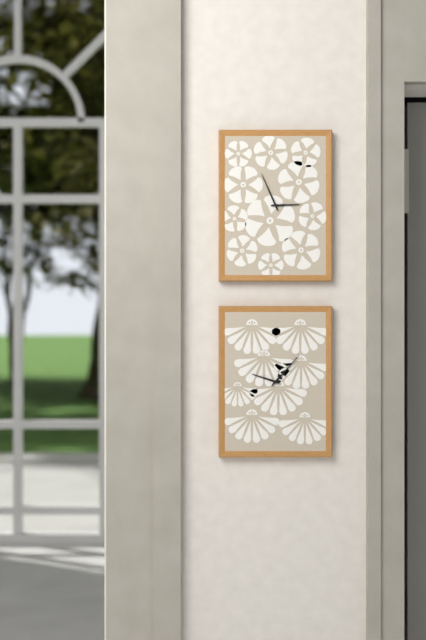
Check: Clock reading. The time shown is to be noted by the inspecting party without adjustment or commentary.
2:56
